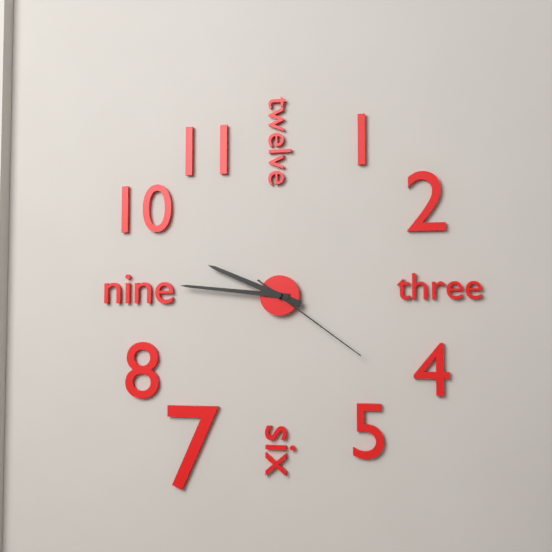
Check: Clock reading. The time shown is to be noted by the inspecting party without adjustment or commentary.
9:46:21
